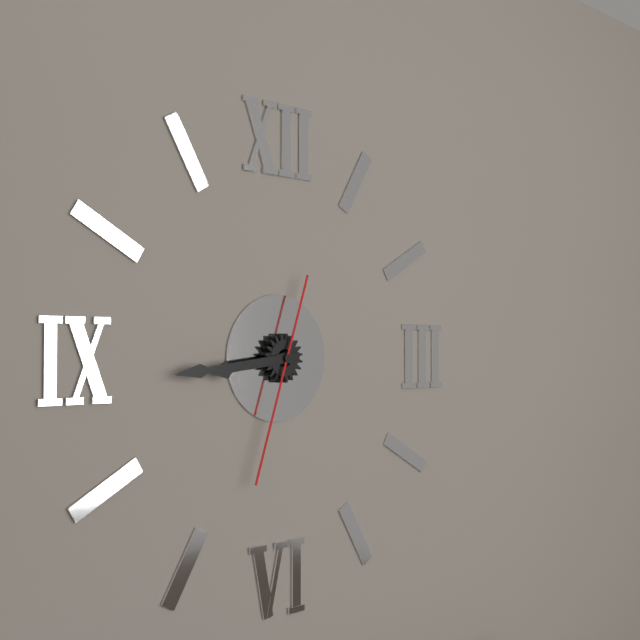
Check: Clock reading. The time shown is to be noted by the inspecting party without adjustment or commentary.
8:44:33
